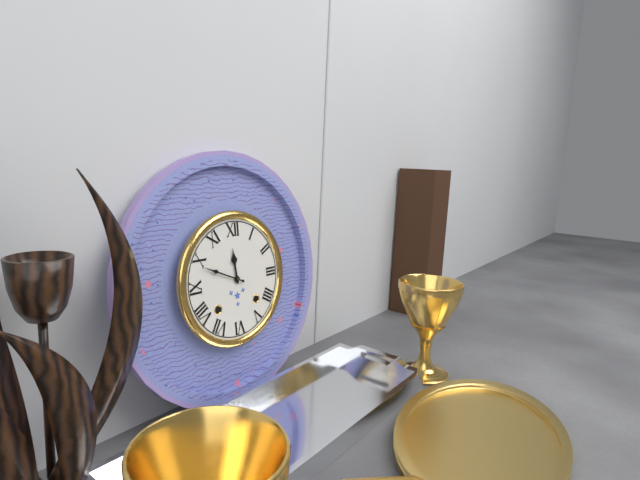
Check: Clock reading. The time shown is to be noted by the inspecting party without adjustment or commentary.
11:49
